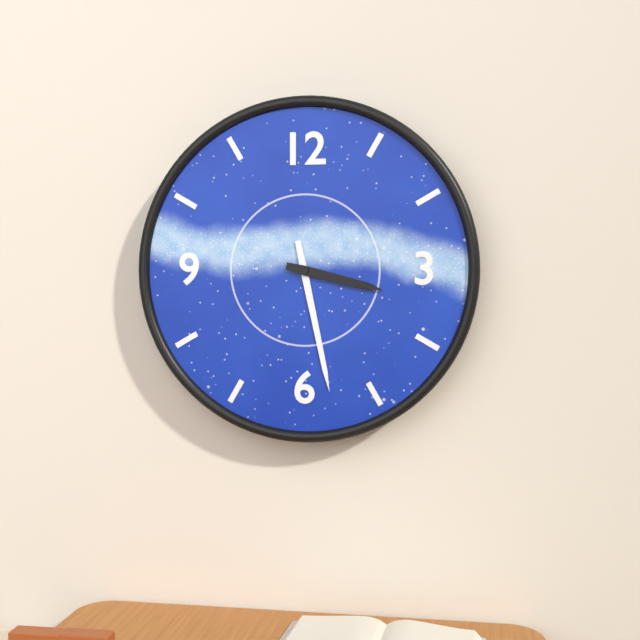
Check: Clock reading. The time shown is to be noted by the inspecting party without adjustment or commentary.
3:28
